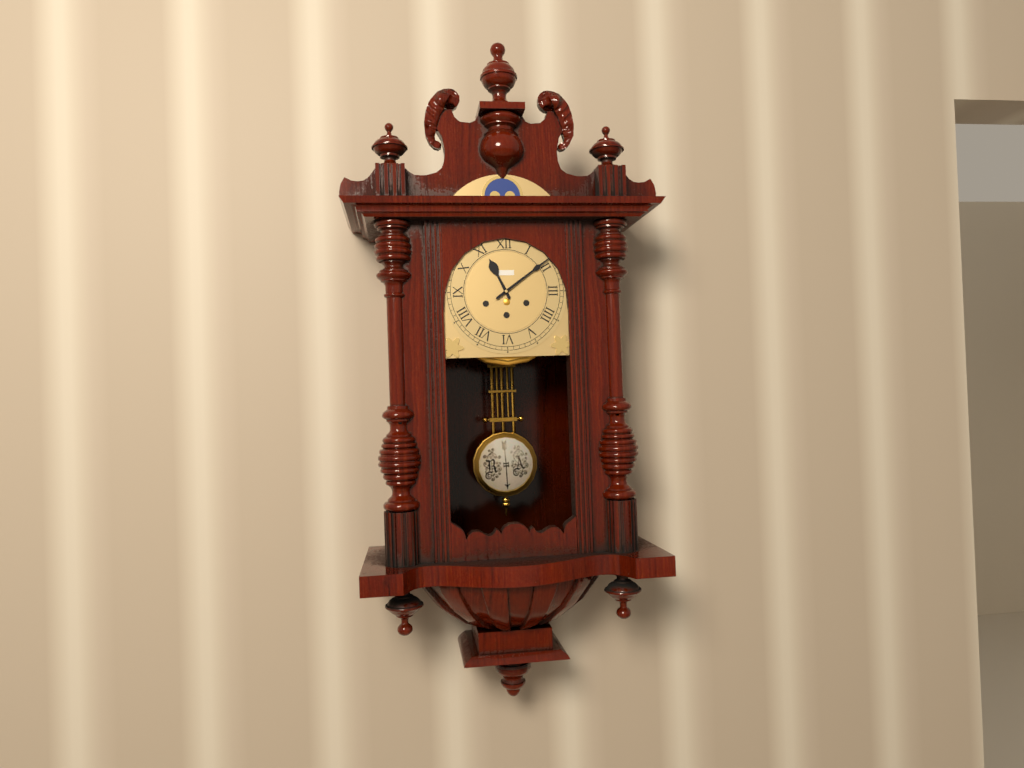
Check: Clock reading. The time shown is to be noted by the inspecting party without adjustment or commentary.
11:09
